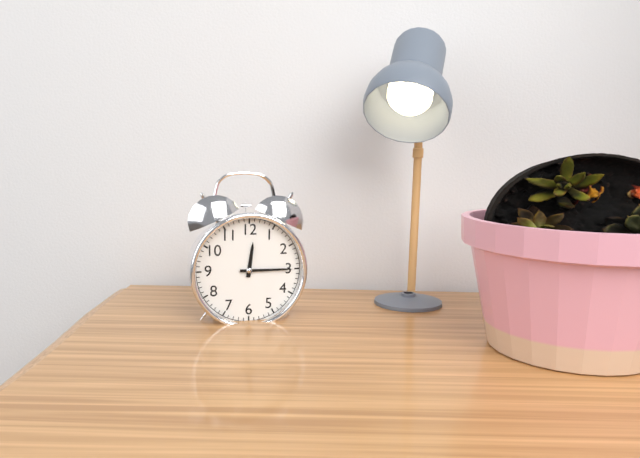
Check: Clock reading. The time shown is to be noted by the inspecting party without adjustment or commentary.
12:15
